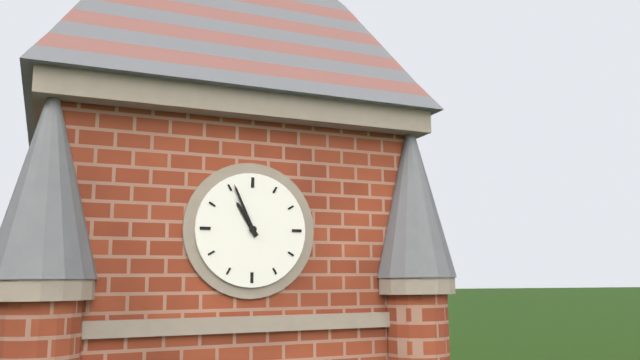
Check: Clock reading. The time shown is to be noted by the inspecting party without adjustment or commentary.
10:56
